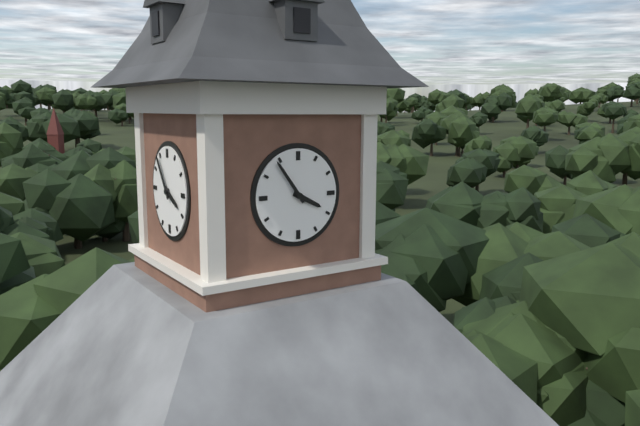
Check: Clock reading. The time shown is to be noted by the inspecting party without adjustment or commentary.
3:54
